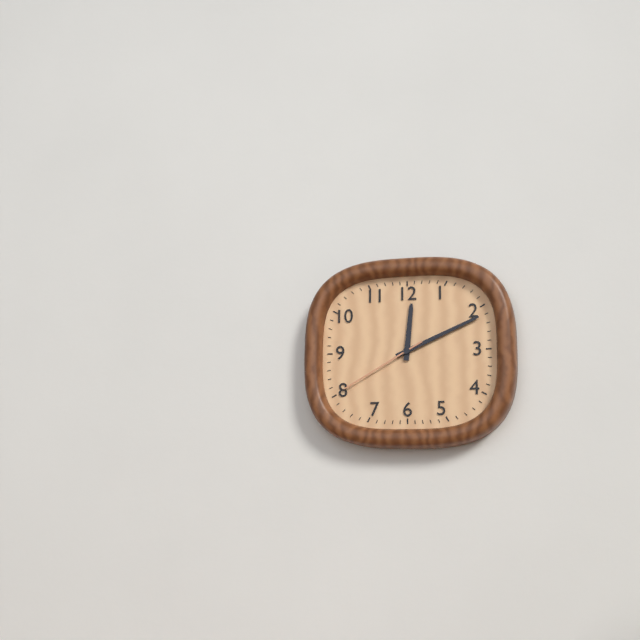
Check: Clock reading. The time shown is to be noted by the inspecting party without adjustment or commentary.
12:11:40
